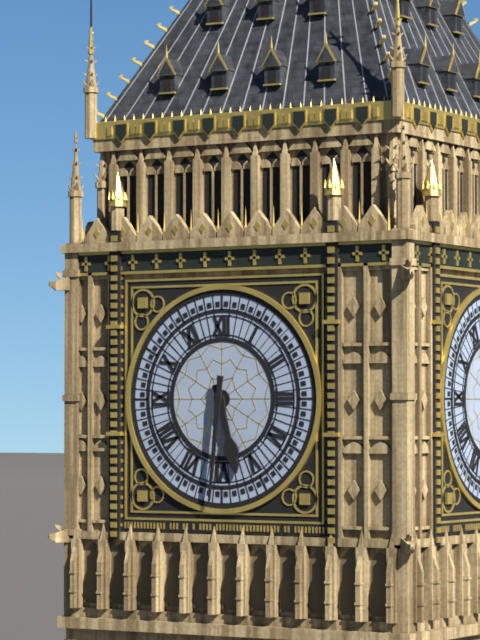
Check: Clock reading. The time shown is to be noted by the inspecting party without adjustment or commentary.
5:31
